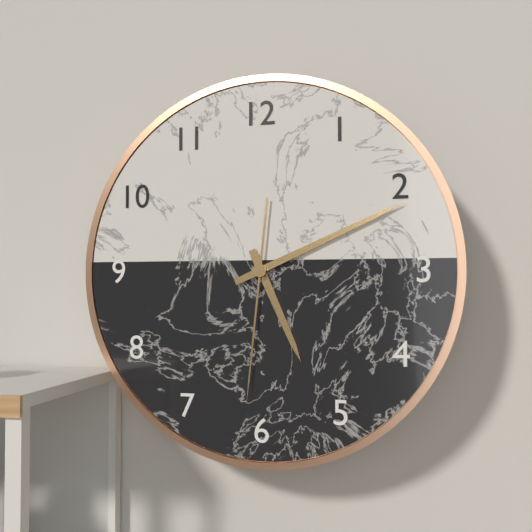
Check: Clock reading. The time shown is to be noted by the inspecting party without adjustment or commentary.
5:11:31
